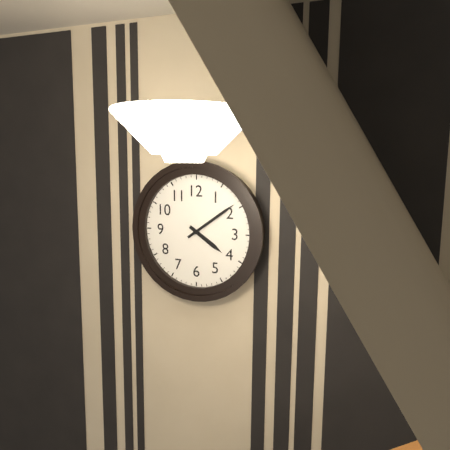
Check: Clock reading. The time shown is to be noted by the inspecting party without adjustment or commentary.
4:09
